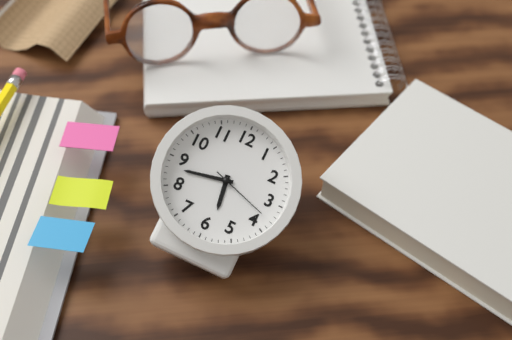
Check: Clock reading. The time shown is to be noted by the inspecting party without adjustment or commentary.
5:43:18
